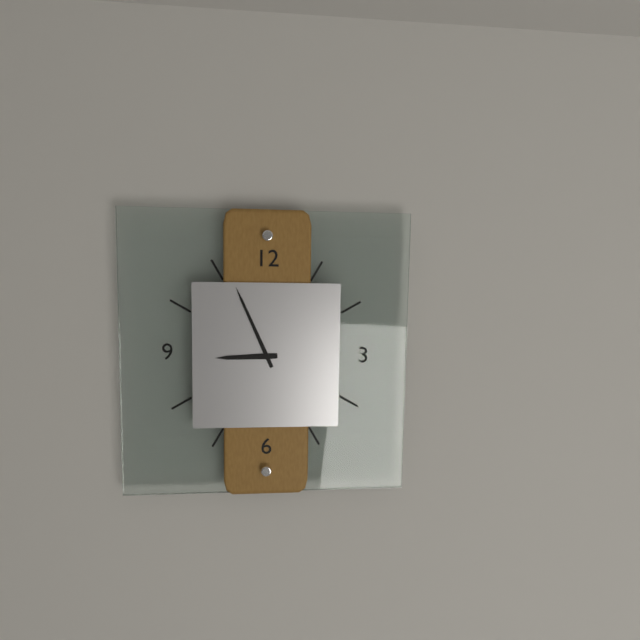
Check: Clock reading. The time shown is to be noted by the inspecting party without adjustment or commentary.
8:56
